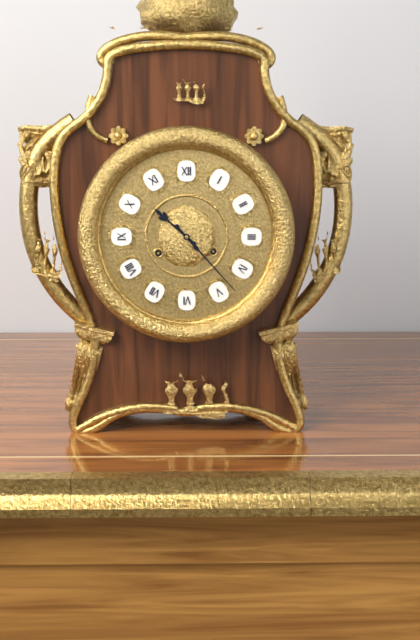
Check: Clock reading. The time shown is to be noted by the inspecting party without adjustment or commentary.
10:23
